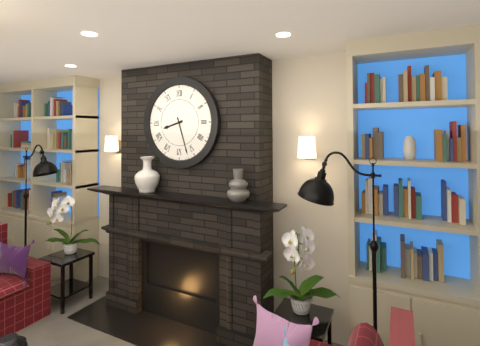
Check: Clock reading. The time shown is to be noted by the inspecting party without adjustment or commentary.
8:27
